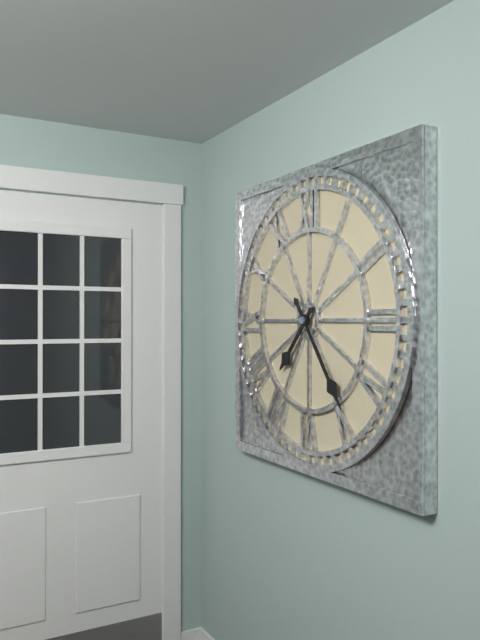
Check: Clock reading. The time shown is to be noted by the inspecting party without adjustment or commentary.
7:24
